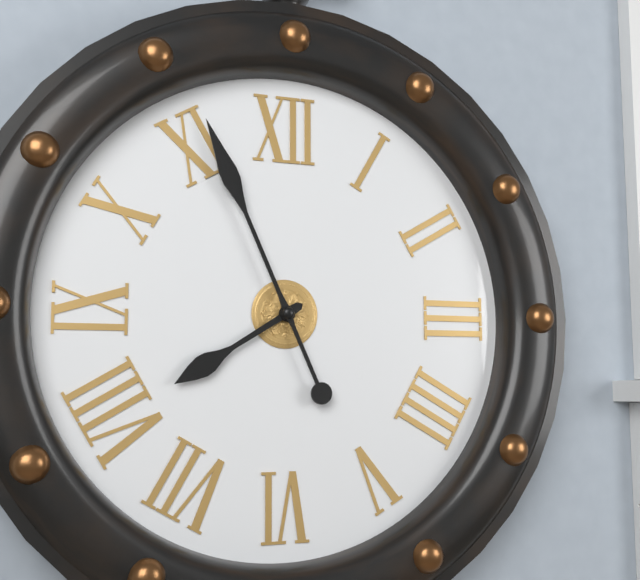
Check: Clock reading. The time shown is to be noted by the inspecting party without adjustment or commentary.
7:56
